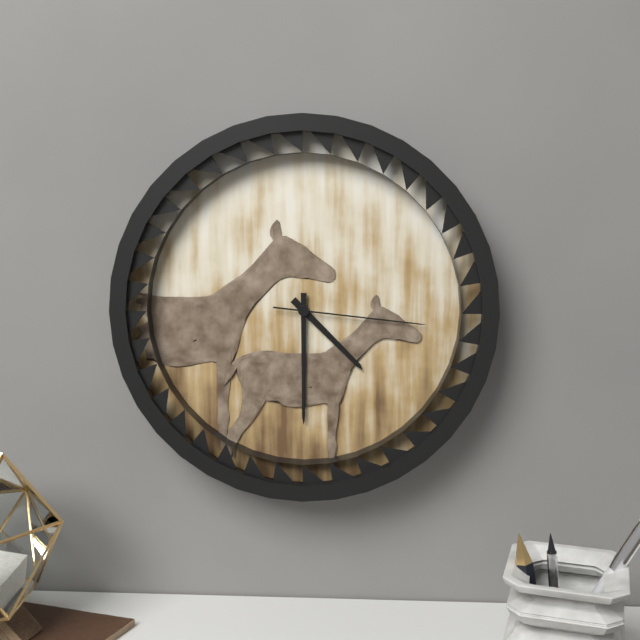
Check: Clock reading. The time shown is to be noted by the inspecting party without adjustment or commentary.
4:30:16
